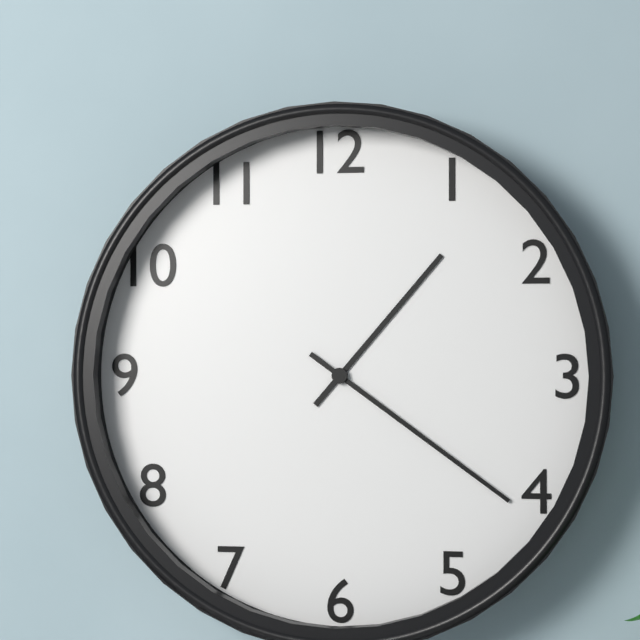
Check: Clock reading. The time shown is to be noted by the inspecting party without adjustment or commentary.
1:21
